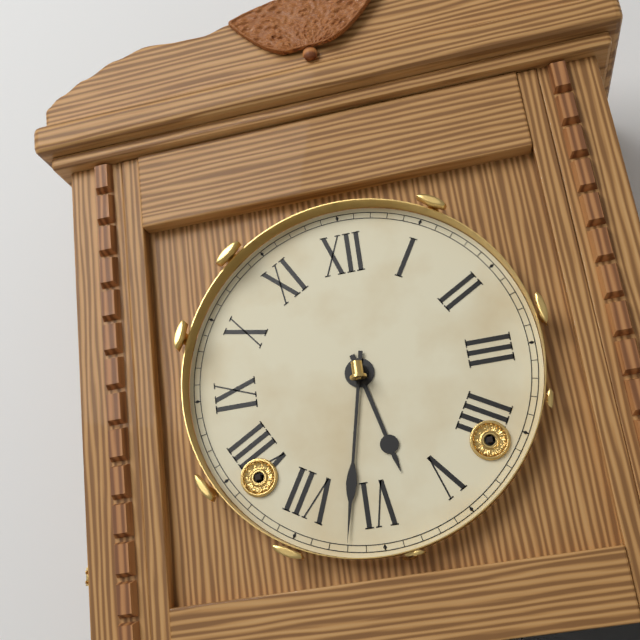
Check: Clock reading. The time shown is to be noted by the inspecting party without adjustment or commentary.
5:32
